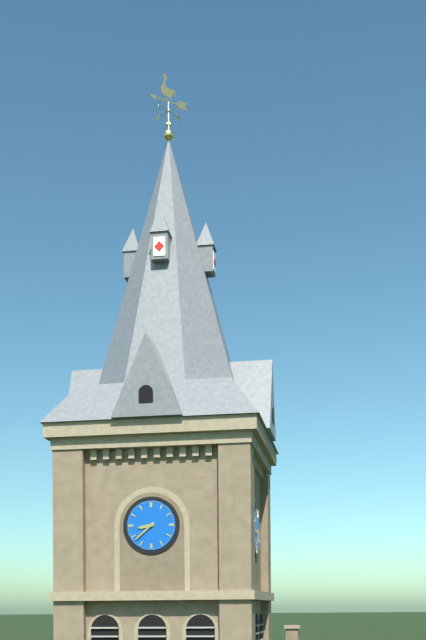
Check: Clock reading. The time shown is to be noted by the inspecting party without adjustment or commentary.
8:38
